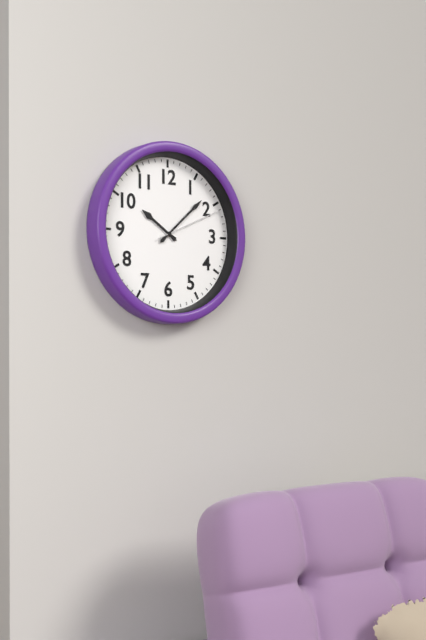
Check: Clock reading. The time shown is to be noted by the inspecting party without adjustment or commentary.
10:08:11
